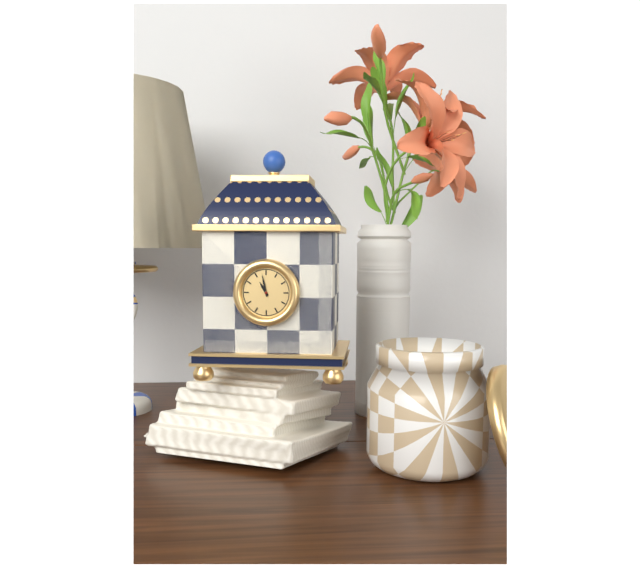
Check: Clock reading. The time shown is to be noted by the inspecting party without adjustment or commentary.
10:58
